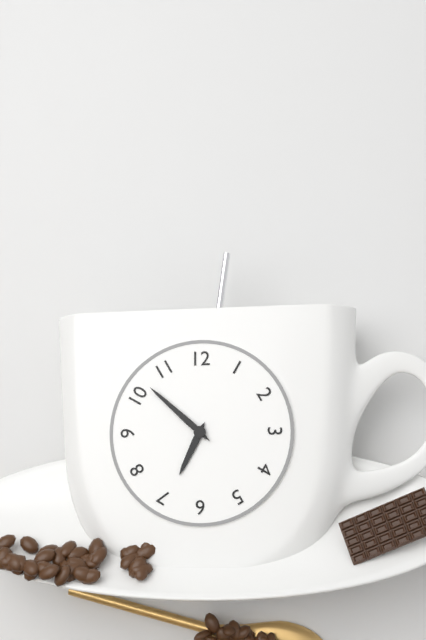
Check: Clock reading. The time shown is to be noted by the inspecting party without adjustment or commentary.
6:52
